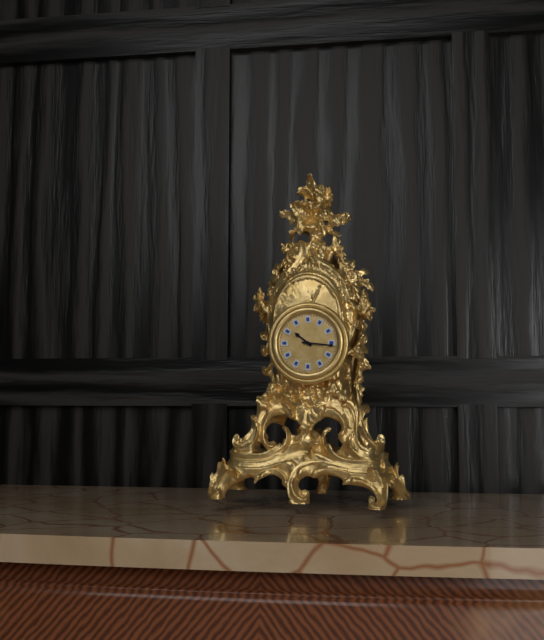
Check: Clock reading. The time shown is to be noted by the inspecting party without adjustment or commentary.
10:16
